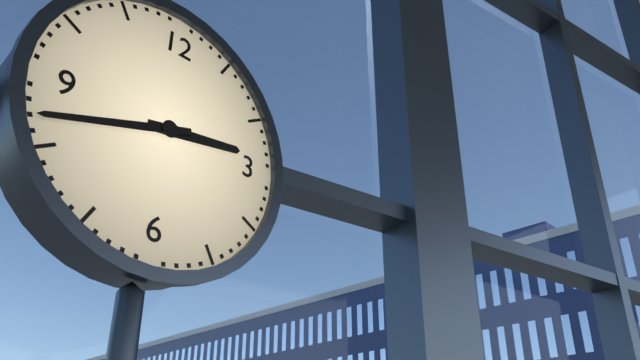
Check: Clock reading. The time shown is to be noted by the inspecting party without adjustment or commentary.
2:42
